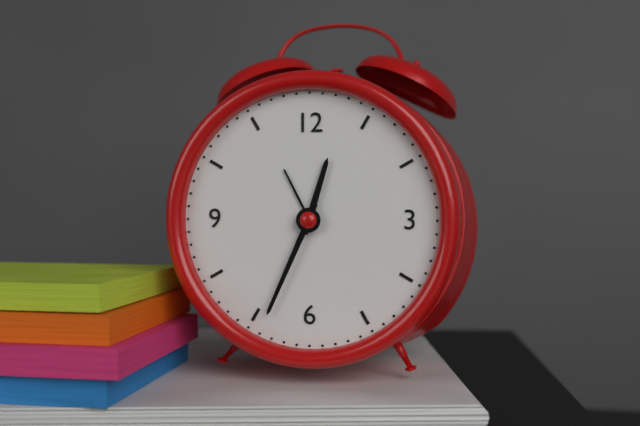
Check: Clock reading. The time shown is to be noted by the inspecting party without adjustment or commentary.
12:34
